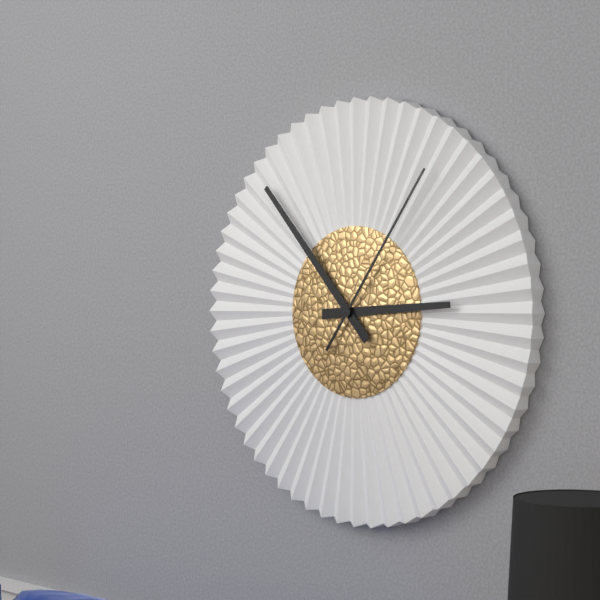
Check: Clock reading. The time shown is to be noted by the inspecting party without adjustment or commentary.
2:53:06
